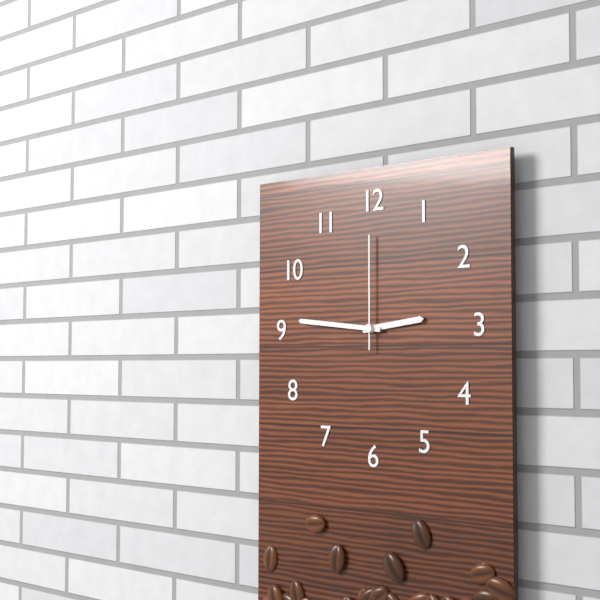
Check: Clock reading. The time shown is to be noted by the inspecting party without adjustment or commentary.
2:46:00
